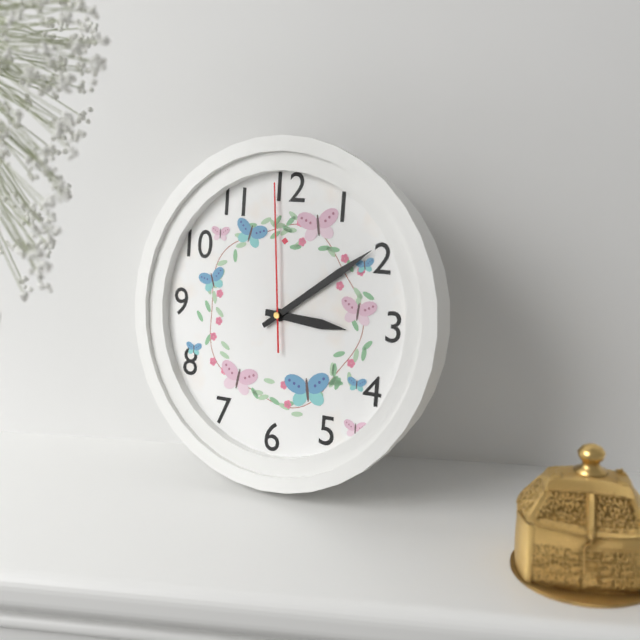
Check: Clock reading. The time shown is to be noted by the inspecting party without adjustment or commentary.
3:09:59
